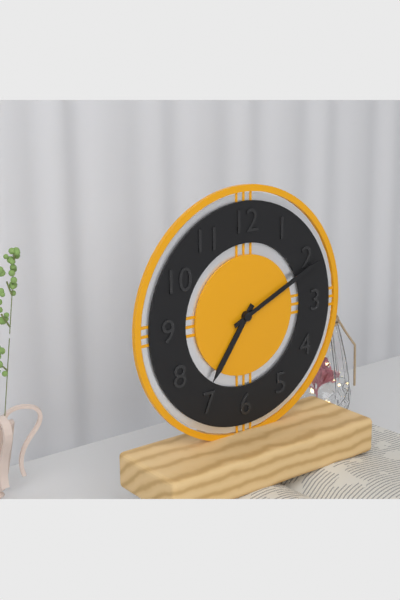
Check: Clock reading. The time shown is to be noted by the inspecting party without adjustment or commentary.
7:11
